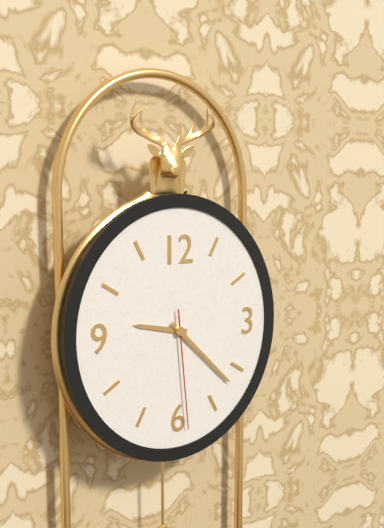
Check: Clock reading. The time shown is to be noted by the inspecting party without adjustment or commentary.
9:22:29
